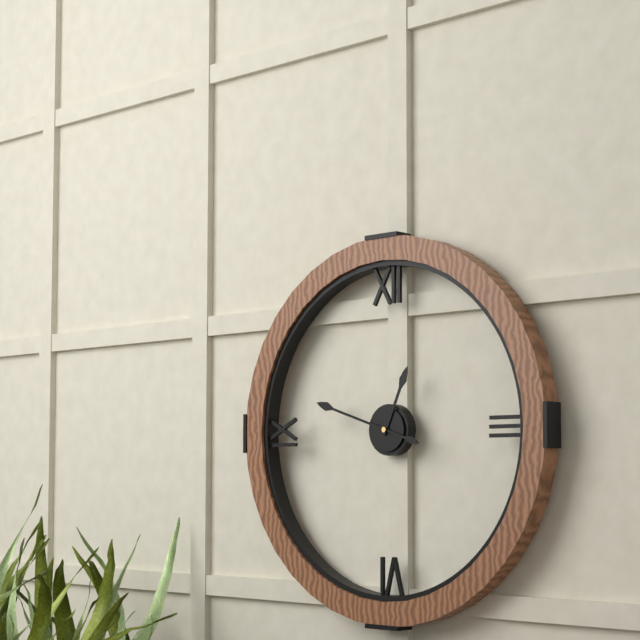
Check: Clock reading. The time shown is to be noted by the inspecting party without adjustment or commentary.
12:48
